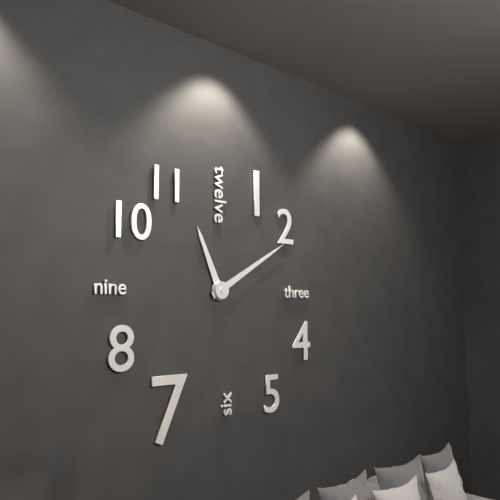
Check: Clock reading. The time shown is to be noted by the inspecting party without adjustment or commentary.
11:10
